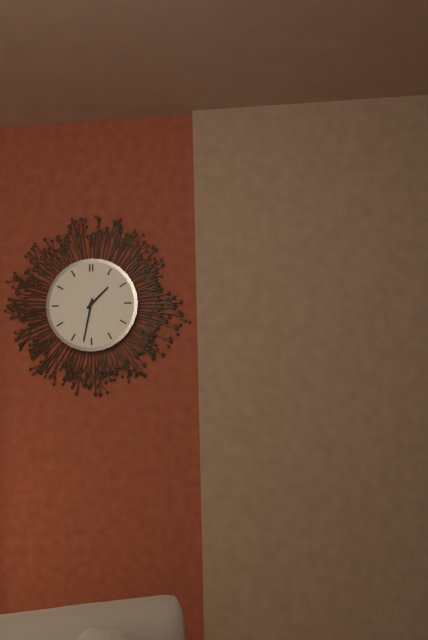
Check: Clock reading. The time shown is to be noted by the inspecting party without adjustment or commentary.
1:32
